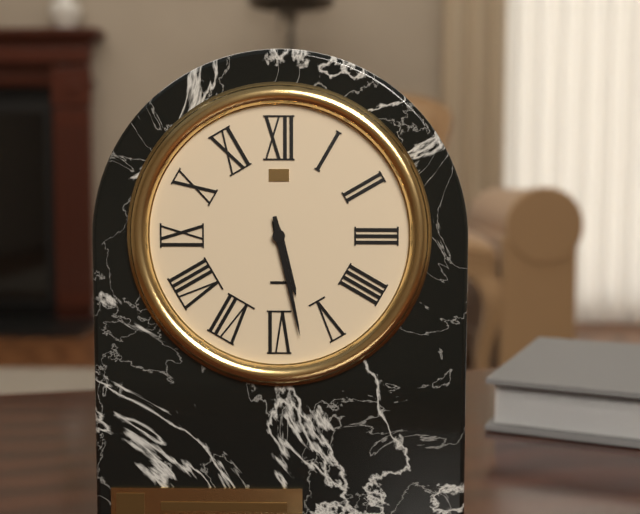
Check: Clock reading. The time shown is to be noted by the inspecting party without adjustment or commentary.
5:28
